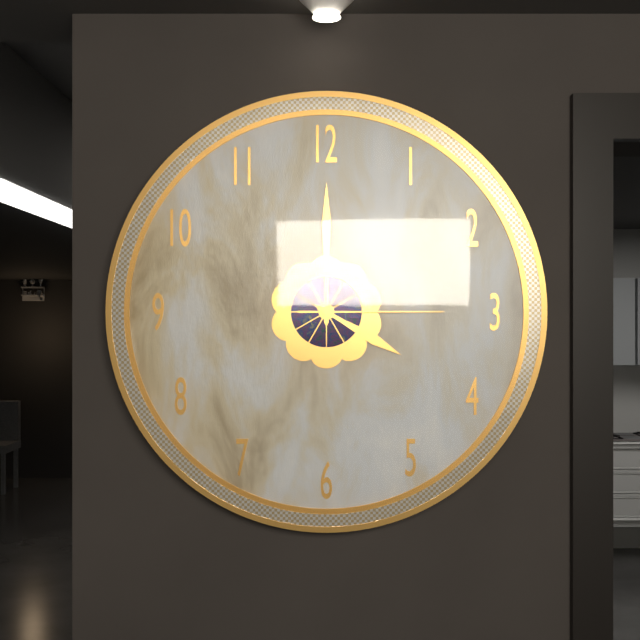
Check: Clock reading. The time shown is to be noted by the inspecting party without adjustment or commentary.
4:00:15
